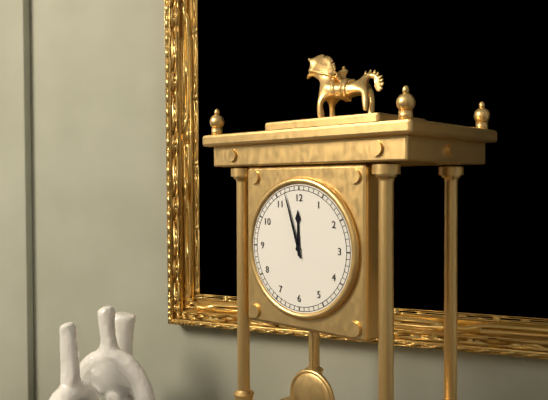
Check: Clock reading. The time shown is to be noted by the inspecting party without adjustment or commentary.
11:57
